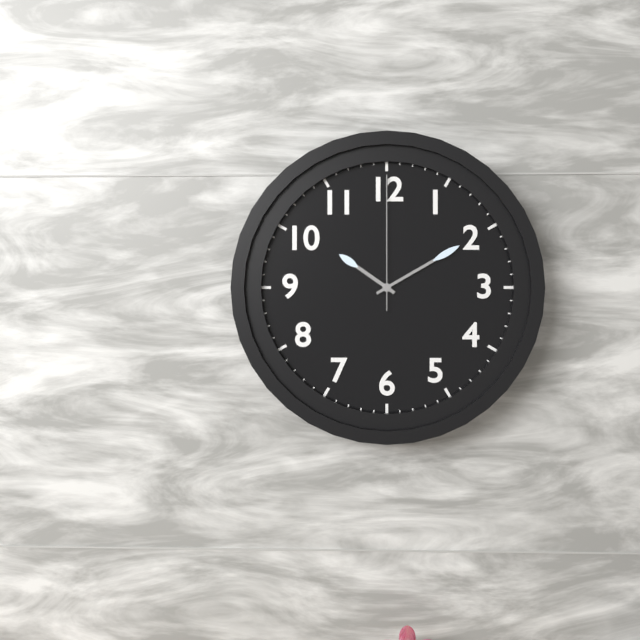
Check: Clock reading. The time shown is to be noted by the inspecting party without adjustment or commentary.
10:10:00
